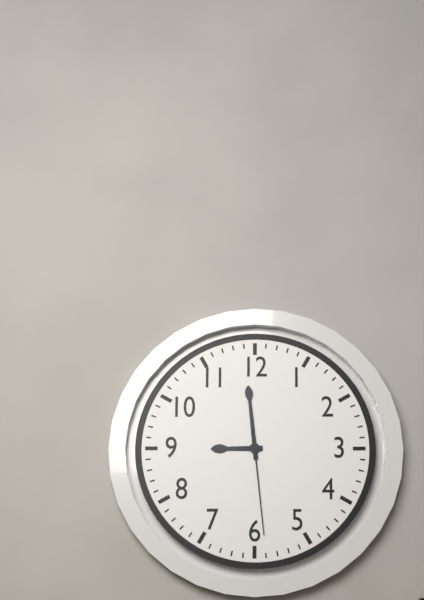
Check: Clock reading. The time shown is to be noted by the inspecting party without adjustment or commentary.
8:59:29
